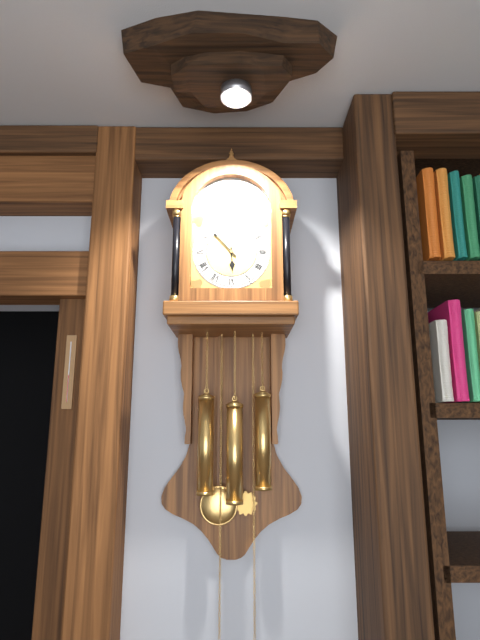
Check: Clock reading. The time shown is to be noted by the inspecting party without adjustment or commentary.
5:53
